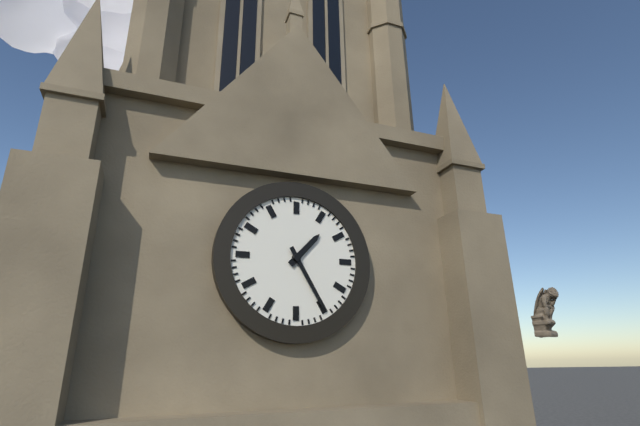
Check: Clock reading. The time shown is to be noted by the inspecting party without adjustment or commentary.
1:25
